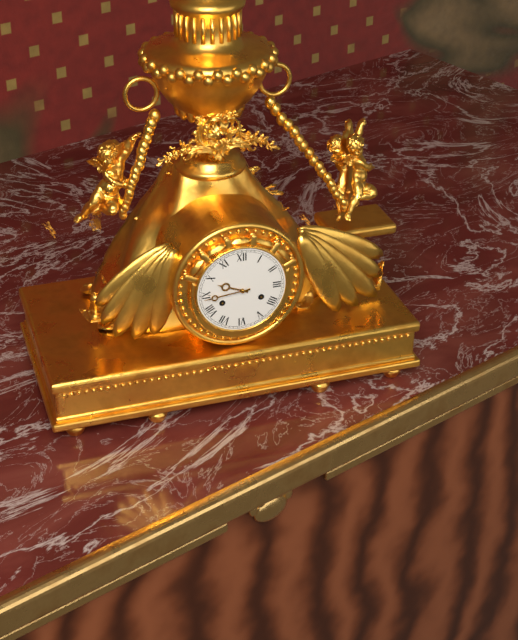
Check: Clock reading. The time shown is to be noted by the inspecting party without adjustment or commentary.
9:44
